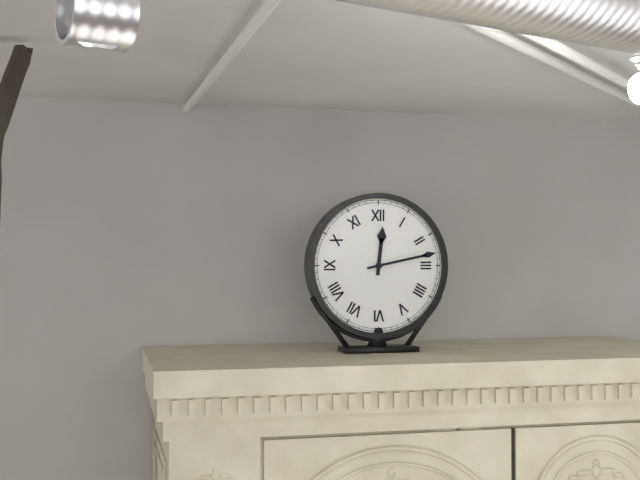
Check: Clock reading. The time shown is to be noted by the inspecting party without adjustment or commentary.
12:13
